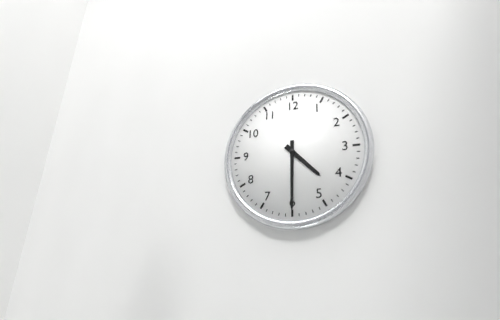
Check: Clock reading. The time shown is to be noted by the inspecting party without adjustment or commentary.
4:30
